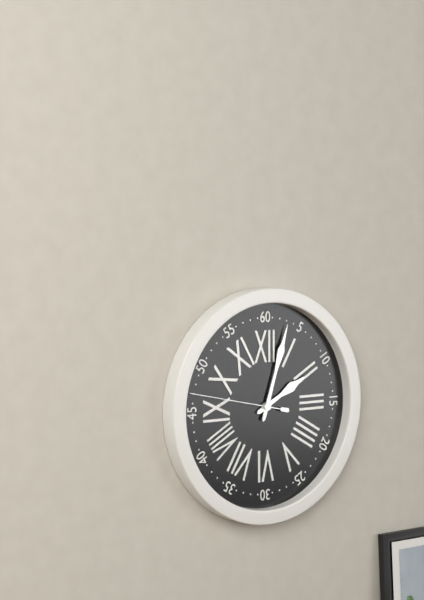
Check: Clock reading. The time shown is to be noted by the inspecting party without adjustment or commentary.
2:03:47
